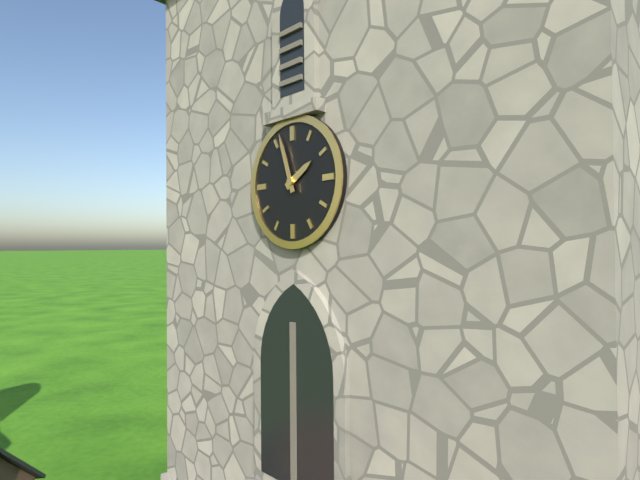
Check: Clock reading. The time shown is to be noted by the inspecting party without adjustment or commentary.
1:57
